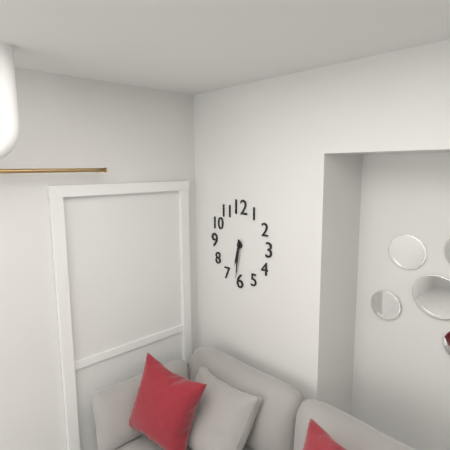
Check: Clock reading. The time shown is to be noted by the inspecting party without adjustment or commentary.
6:31
